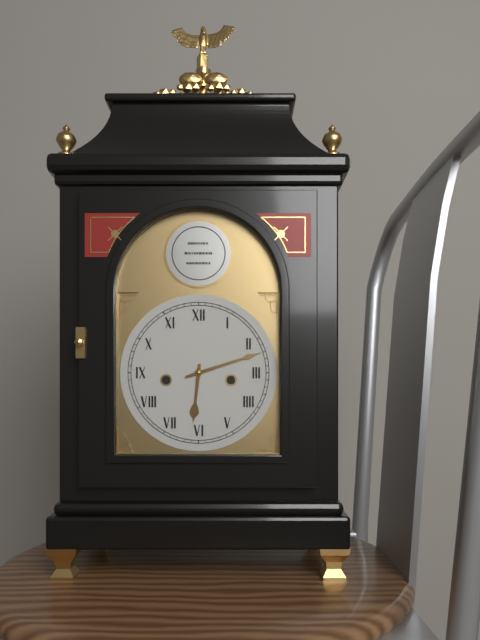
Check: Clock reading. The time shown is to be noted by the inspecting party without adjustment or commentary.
6:12
